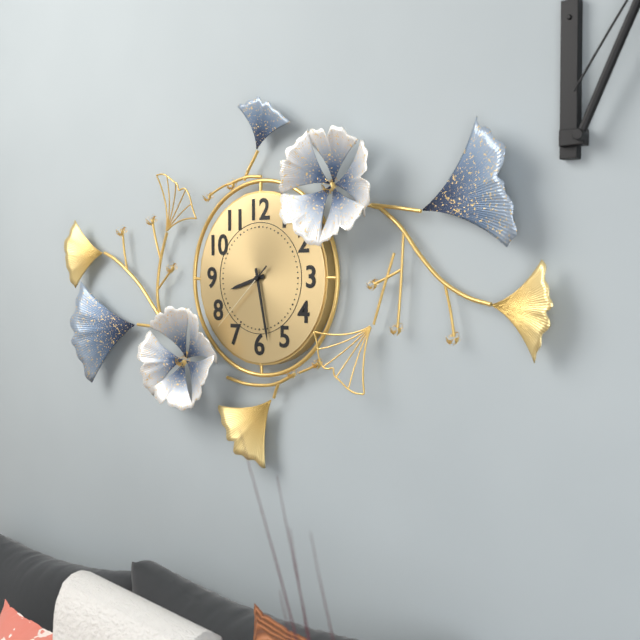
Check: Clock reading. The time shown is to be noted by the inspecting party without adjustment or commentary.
8:28:38
